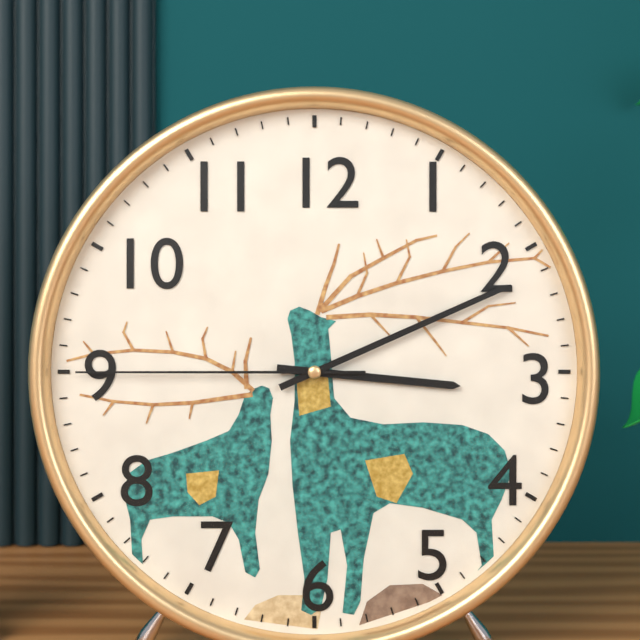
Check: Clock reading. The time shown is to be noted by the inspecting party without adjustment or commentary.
3:11:45
